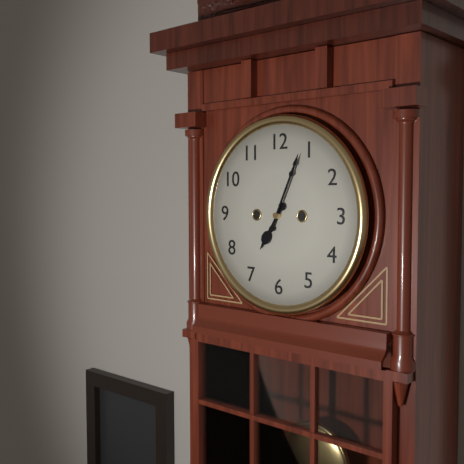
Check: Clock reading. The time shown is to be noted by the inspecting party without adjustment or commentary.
7:04
